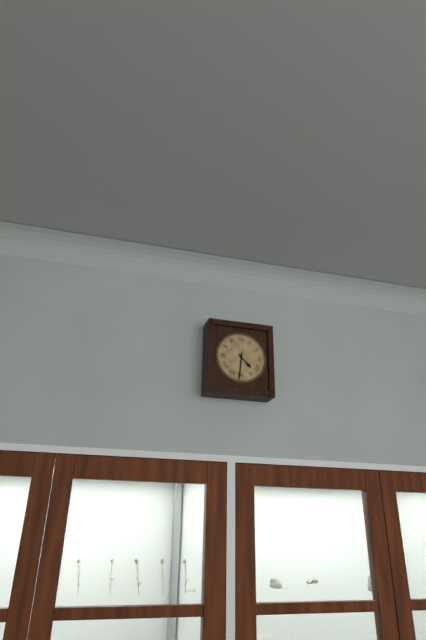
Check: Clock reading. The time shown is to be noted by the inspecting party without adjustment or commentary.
4:31
